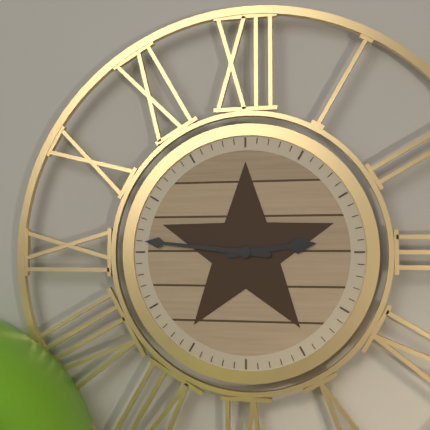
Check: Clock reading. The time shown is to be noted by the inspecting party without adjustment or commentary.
2:46
